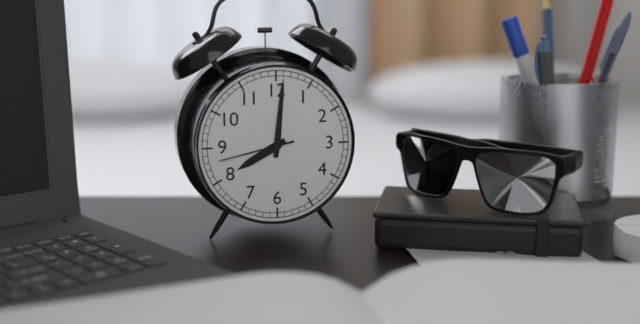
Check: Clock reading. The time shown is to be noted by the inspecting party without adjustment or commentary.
8:01:43
